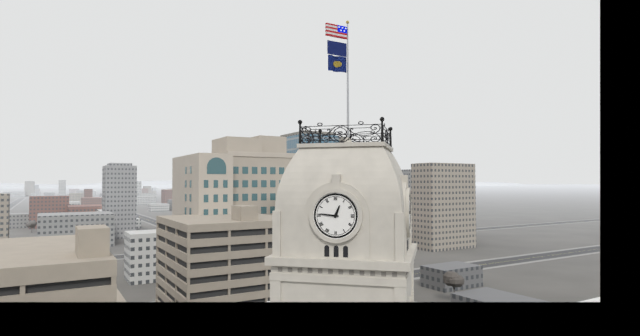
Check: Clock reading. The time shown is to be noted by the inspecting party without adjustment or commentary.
12:46
